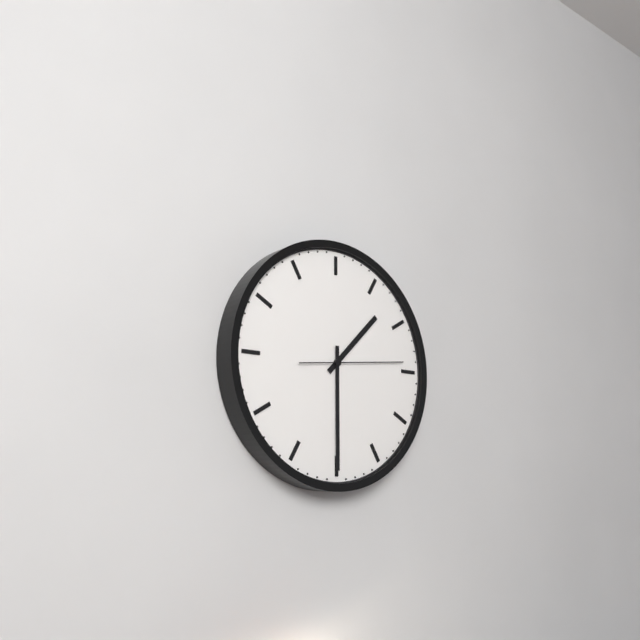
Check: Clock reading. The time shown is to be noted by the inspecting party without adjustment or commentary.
1:30:14
